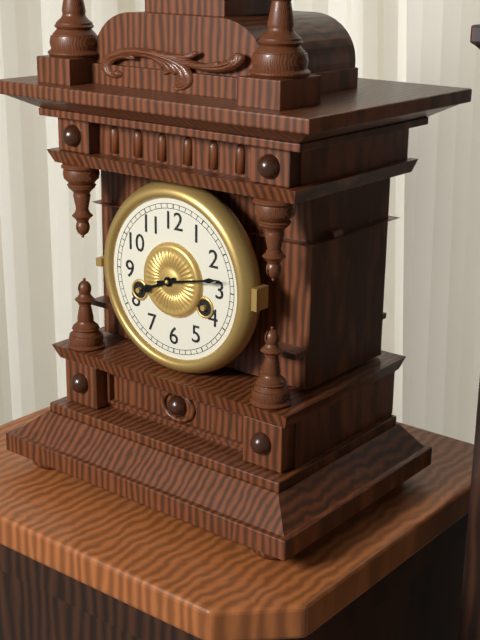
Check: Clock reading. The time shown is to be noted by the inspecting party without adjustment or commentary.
8:13
